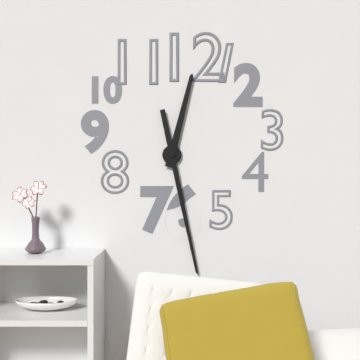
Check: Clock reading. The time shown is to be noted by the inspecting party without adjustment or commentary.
12:28
